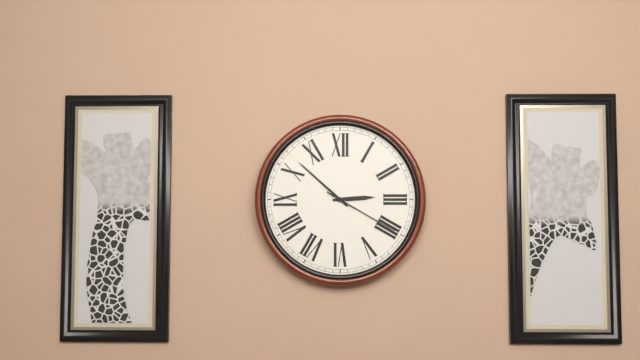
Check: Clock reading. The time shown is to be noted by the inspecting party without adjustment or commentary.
2:52:20
